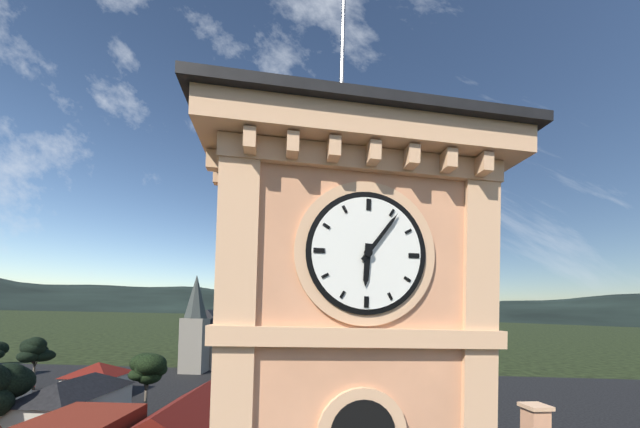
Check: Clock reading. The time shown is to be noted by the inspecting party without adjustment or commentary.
6:06
